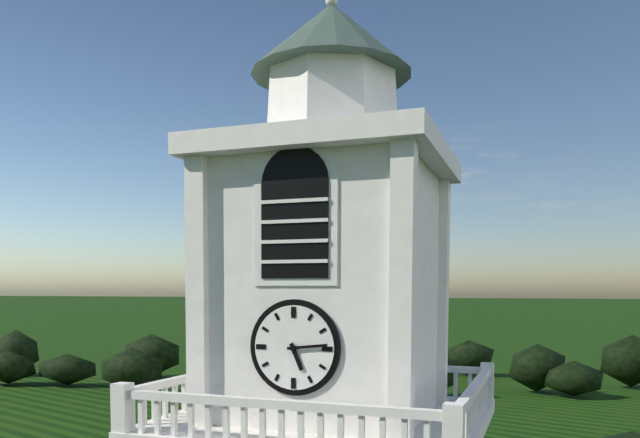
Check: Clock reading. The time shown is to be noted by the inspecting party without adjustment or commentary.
5:14
